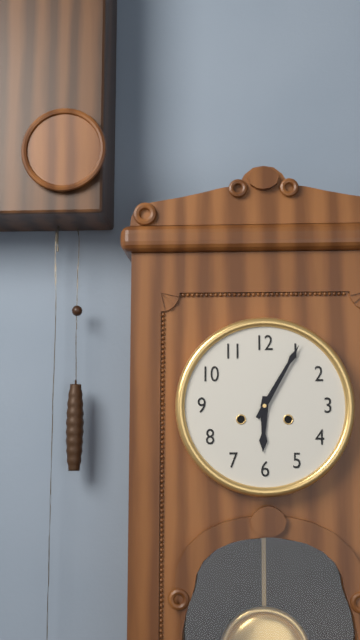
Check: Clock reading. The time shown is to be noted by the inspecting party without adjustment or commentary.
6:05
